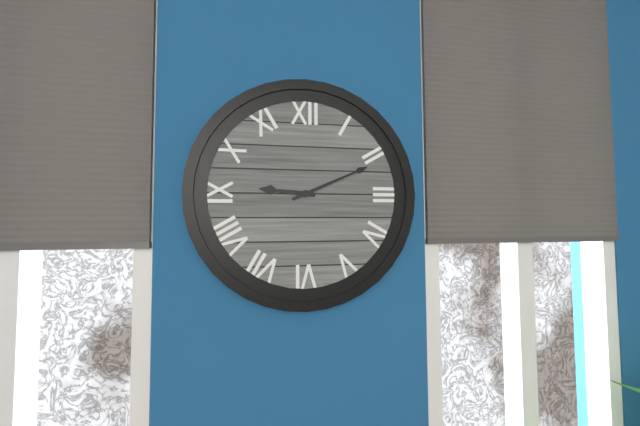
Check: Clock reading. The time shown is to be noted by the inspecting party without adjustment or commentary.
9:11
